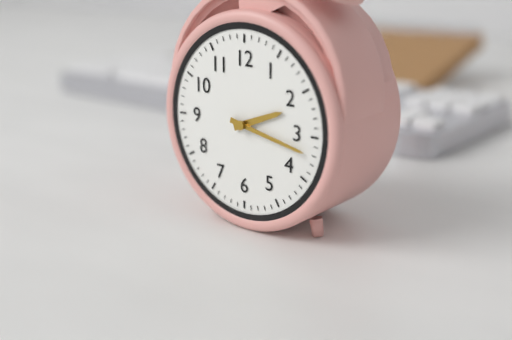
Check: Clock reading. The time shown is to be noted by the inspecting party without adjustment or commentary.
2:17
